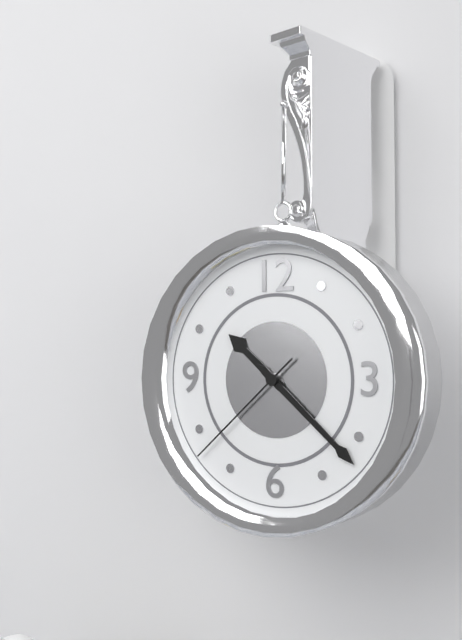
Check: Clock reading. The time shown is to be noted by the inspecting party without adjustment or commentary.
10:22:38
